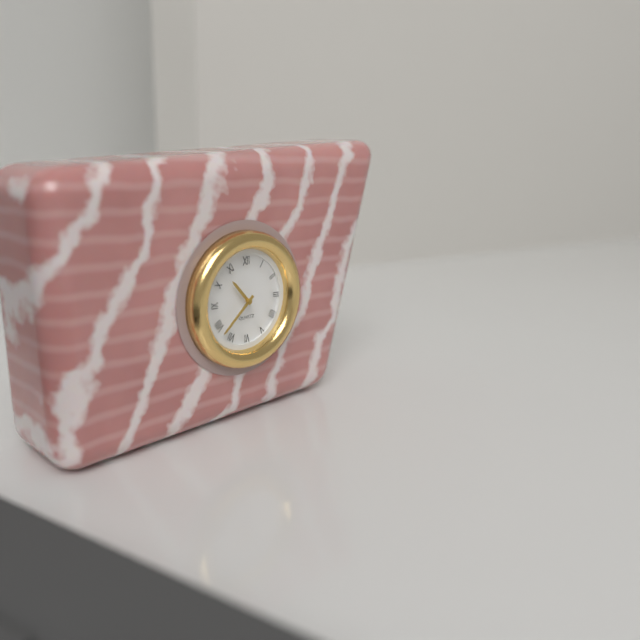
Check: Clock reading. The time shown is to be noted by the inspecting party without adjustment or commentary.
10:38
